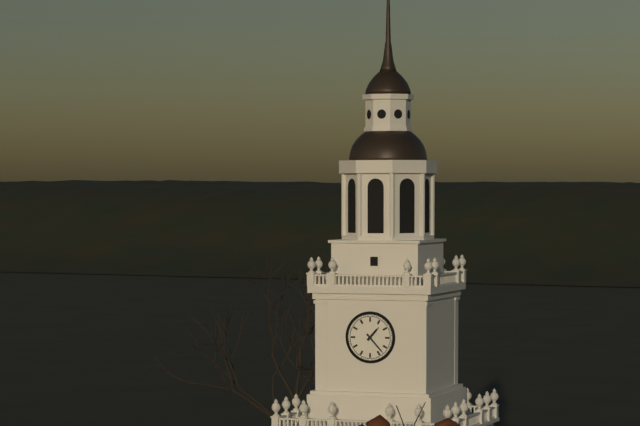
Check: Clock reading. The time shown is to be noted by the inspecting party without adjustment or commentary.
1:23
